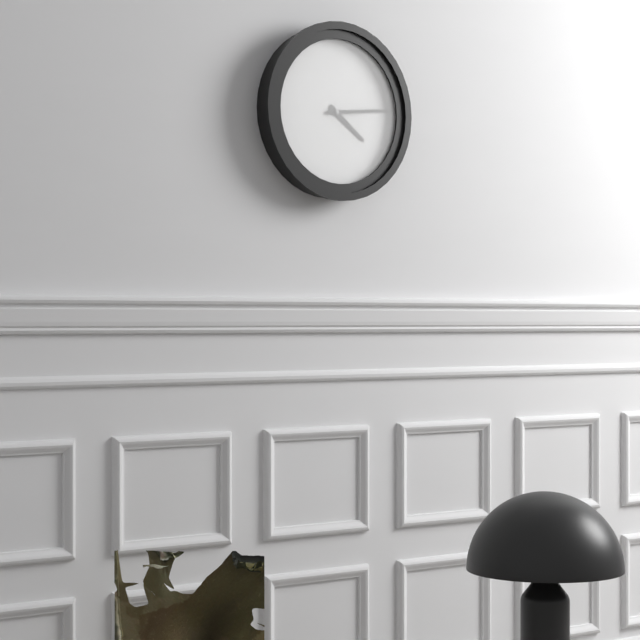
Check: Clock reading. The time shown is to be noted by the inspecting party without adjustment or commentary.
4:14
